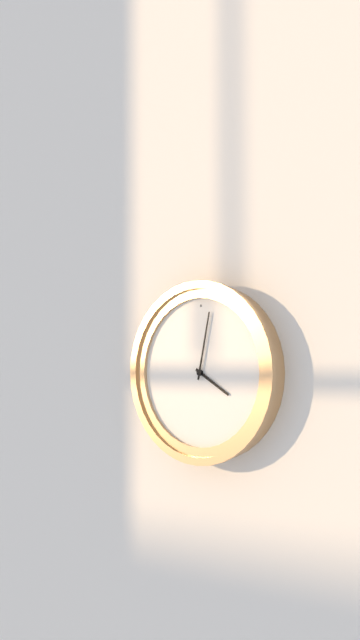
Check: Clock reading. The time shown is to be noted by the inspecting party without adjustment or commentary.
4:02
